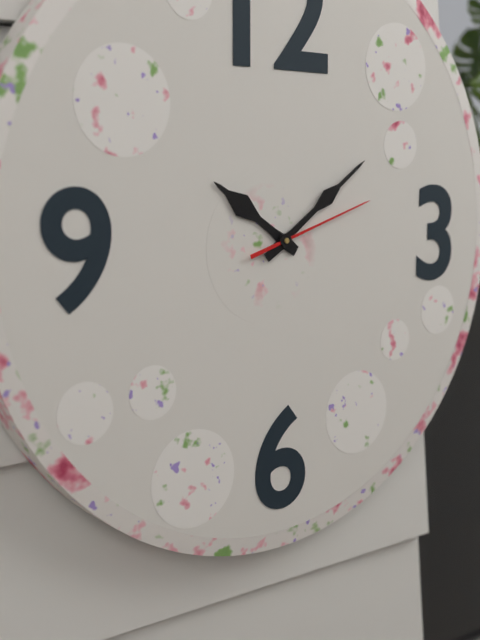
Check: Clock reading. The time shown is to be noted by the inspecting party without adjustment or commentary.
10:09:12
